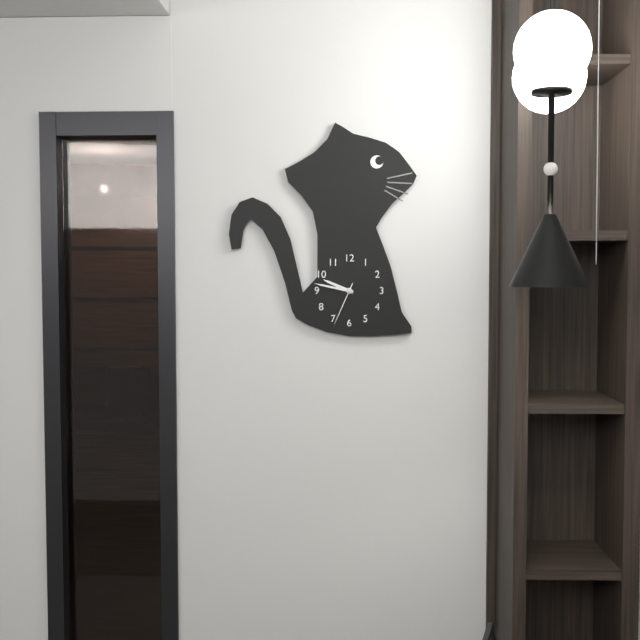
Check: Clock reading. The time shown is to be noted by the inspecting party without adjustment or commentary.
9:47
